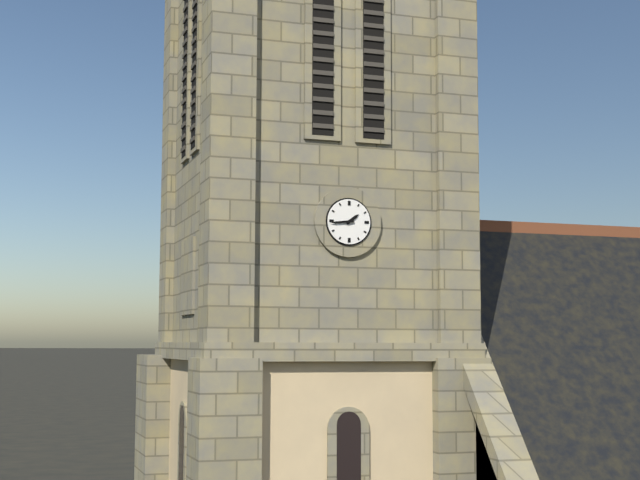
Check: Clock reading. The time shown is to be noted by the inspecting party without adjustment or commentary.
1:44
